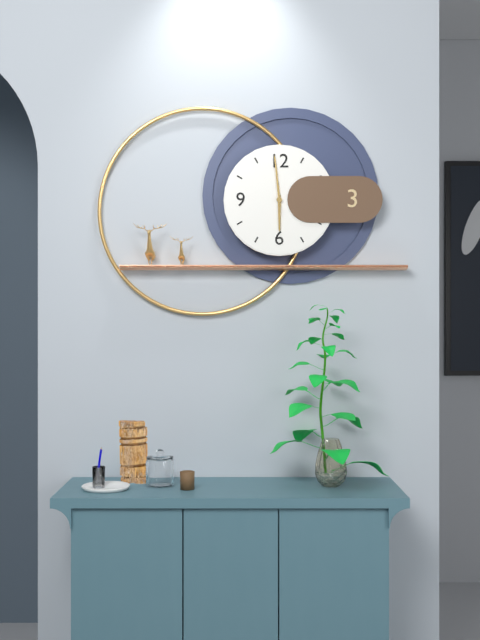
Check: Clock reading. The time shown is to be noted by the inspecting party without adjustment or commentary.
5:59
